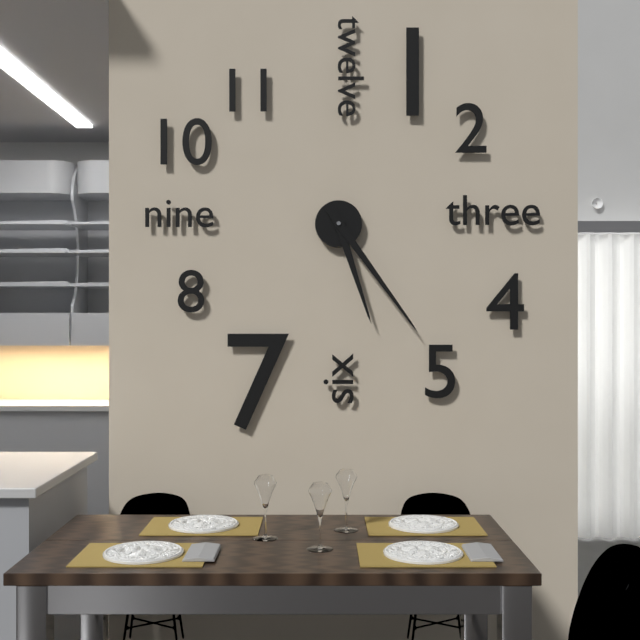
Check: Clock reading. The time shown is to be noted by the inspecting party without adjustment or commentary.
5:24
